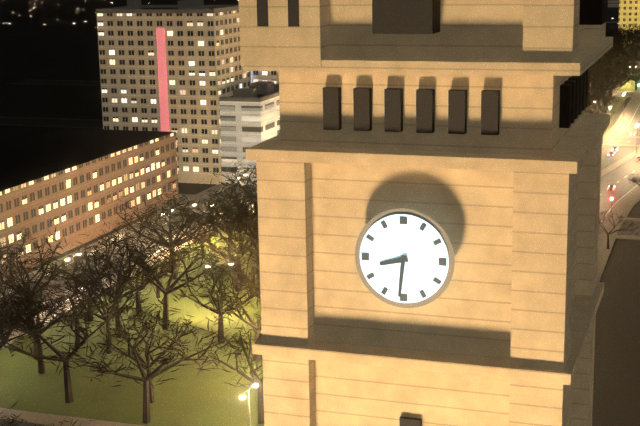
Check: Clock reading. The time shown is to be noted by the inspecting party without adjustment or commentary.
8:31
